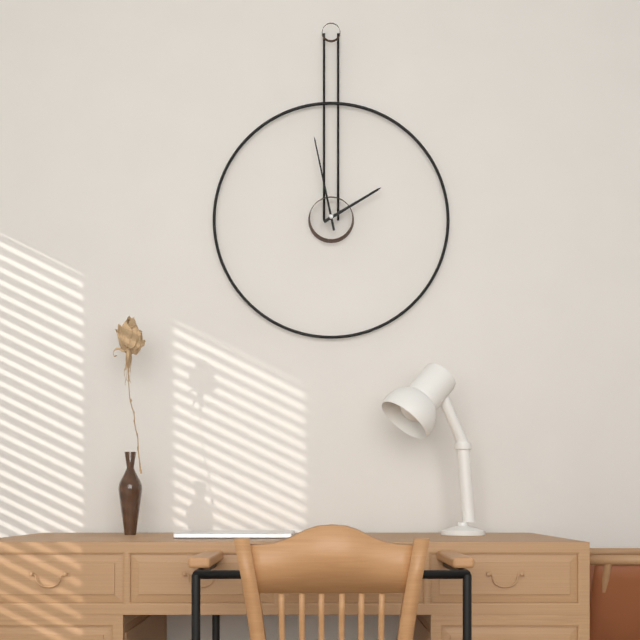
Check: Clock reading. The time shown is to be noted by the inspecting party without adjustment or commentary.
1:58
